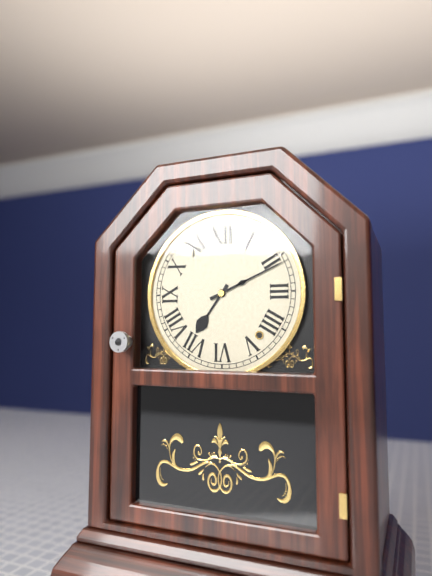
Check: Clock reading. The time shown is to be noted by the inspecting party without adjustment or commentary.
7:11
